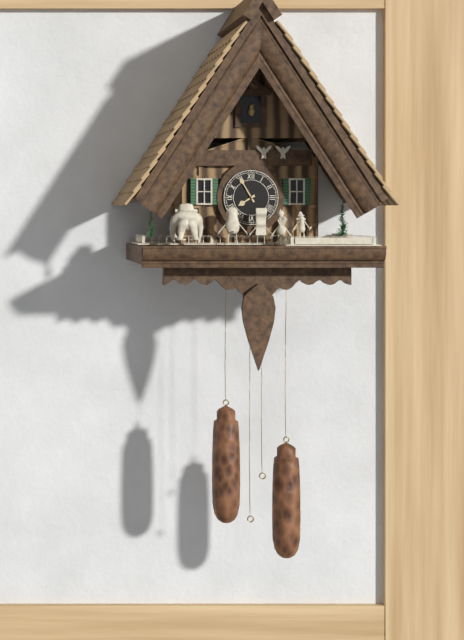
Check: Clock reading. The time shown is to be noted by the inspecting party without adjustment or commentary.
7:55
